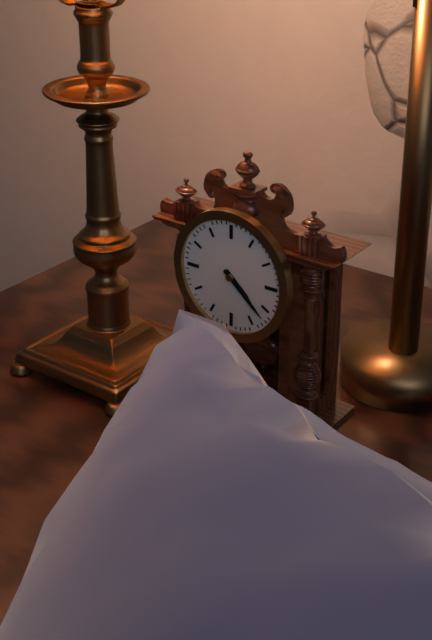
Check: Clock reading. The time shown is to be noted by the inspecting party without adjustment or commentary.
4:22
